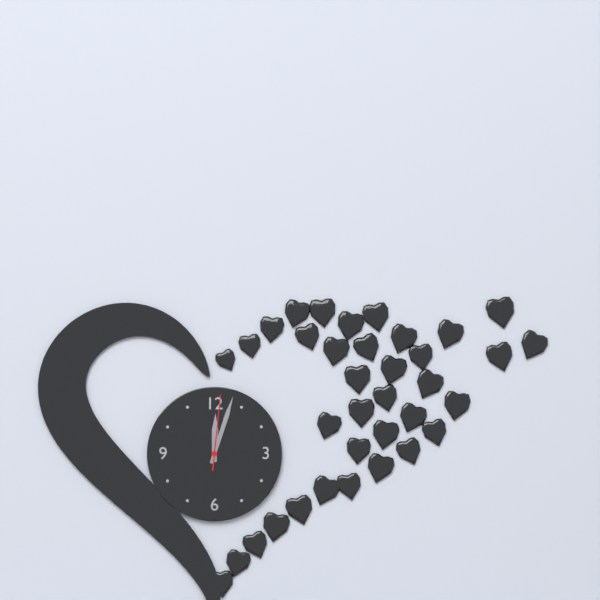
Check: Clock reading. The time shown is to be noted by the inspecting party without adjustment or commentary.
12:03:01
